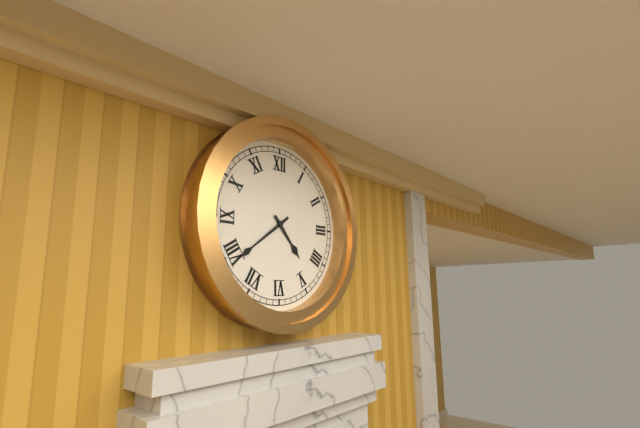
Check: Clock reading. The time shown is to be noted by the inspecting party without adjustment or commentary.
4:39
